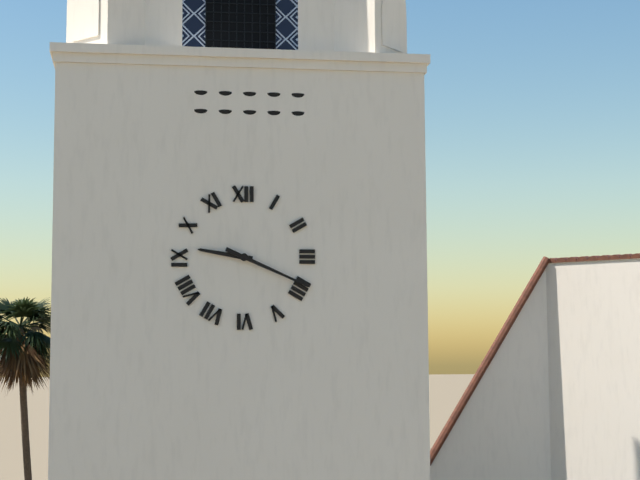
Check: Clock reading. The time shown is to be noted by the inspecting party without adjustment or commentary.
9:19
